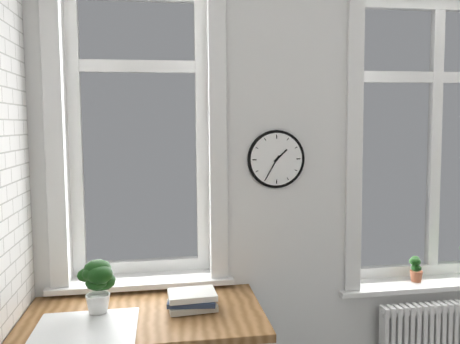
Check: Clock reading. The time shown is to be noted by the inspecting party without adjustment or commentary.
1:35
